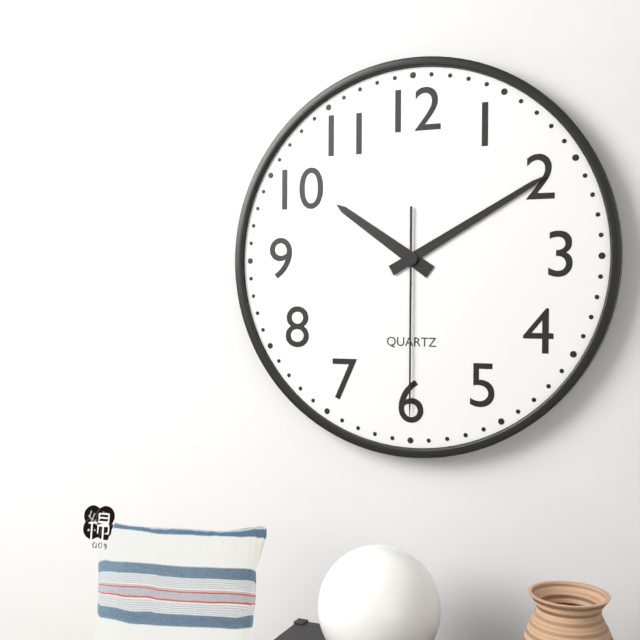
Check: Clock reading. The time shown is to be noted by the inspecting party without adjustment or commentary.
10:10:30
